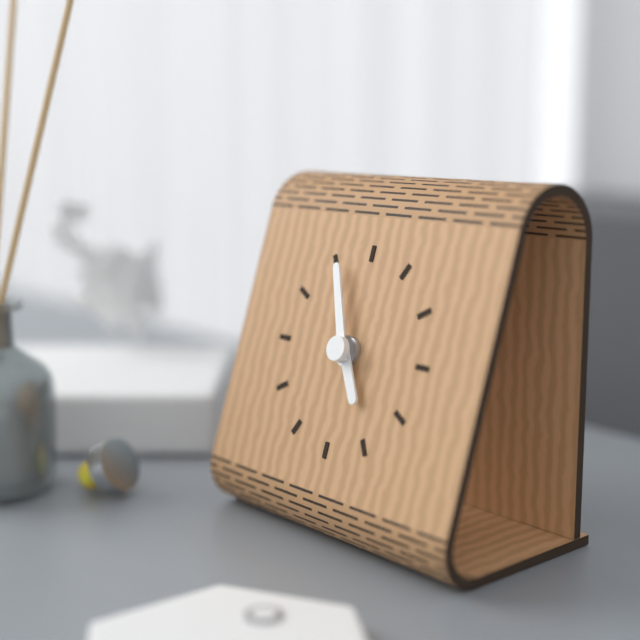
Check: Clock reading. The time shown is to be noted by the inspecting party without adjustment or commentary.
4:56
